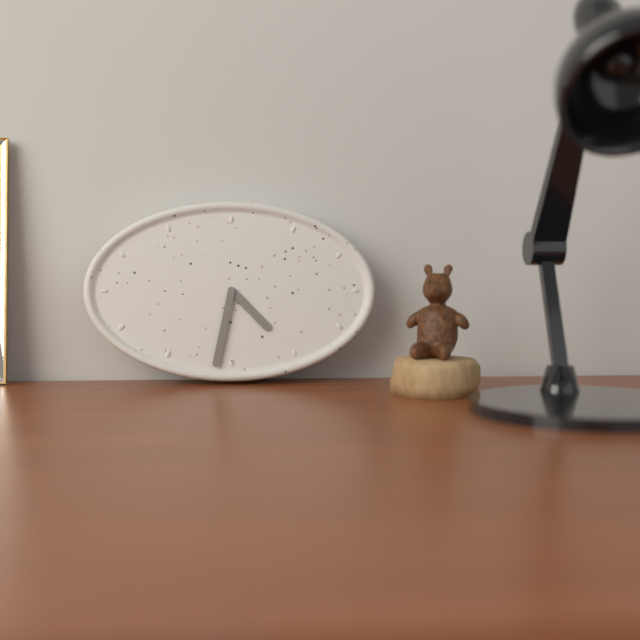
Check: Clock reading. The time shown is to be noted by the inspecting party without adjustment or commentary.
4:32
